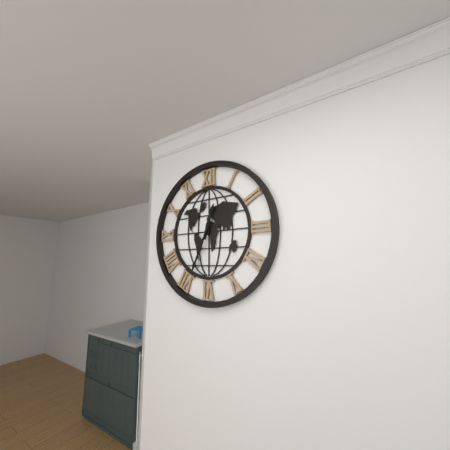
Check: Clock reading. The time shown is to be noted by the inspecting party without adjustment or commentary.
12:34
